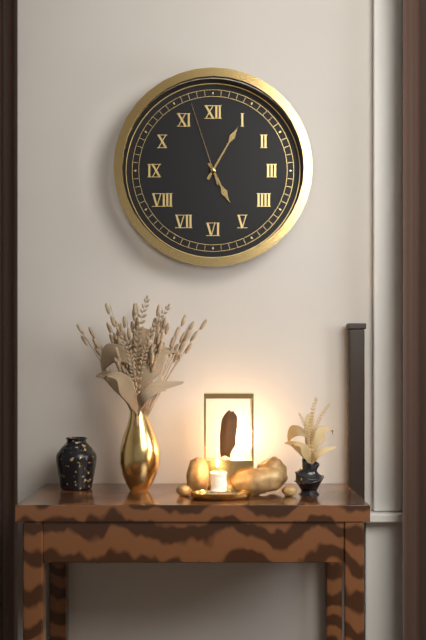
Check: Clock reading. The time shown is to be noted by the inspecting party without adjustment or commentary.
5:05:57
